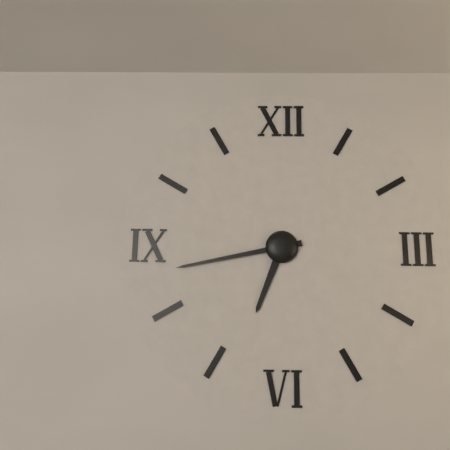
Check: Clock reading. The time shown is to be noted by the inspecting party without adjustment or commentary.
6:43
